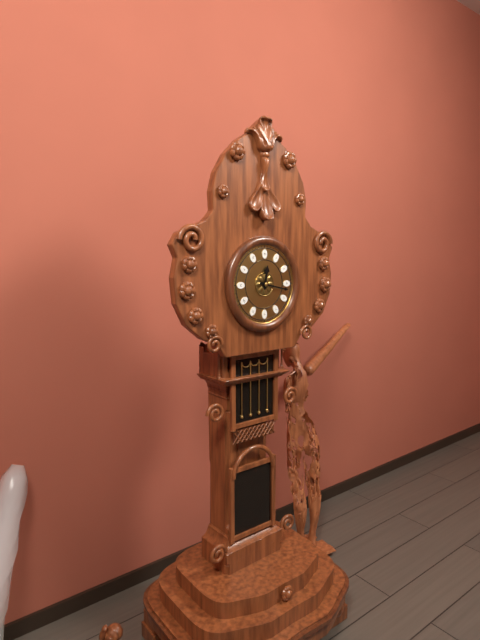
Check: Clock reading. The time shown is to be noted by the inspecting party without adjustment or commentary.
12:17
